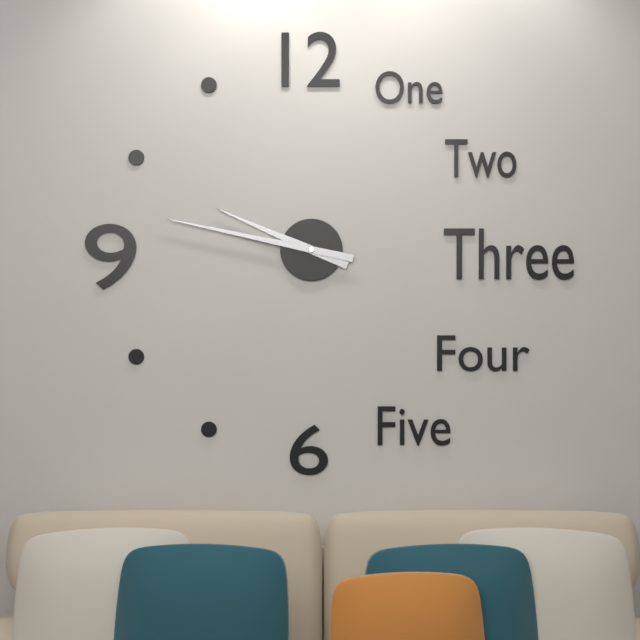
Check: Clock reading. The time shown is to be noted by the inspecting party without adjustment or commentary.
9:47
